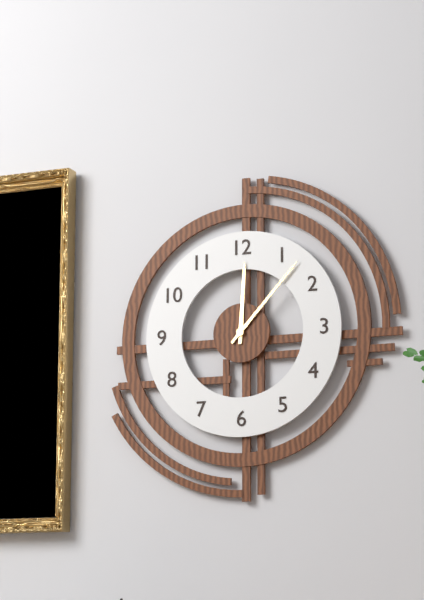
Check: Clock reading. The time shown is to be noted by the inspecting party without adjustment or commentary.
12:07
